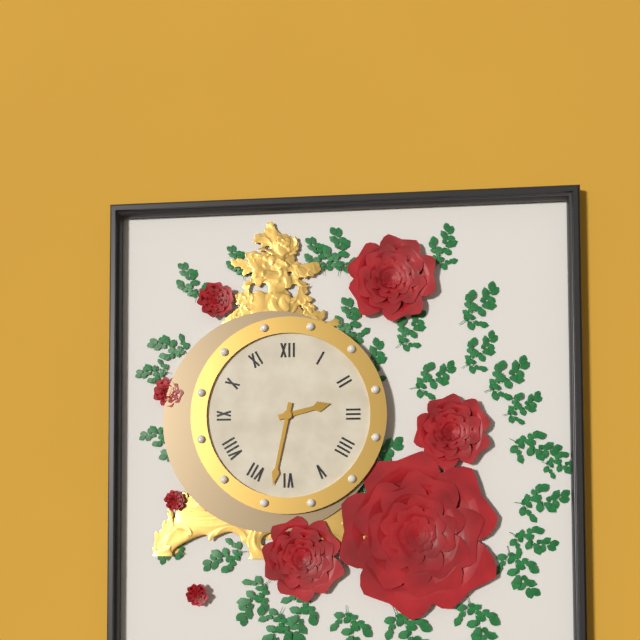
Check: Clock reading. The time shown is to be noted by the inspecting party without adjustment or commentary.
2:32
